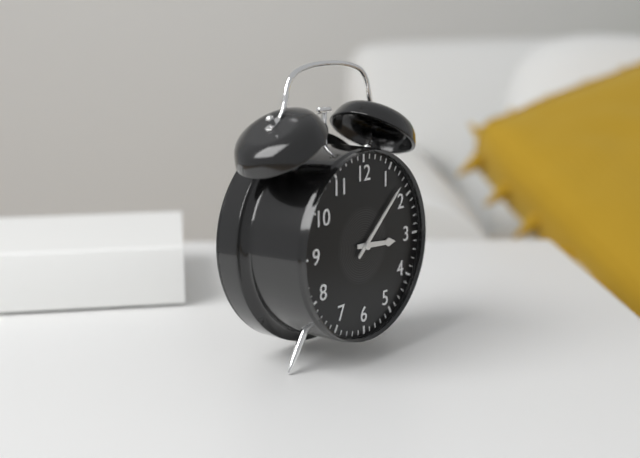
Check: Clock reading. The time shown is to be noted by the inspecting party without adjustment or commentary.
3:08
